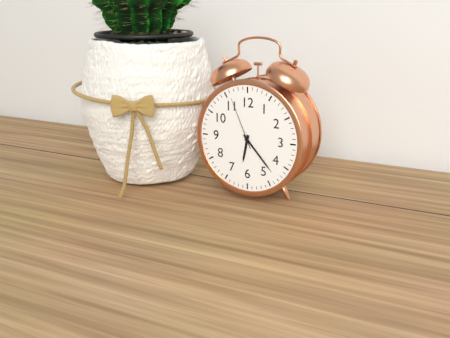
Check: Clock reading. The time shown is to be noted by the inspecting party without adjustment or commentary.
6:23:56
